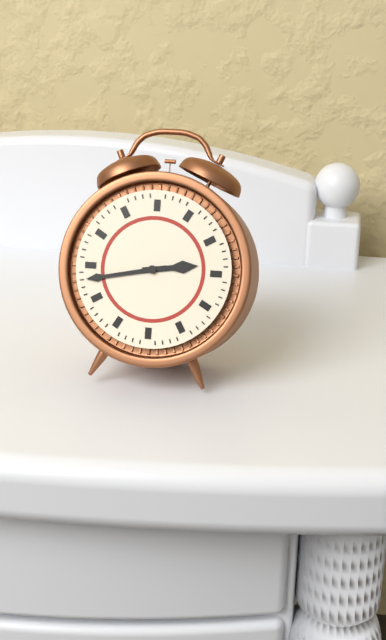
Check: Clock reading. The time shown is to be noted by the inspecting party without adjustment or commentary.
2:43
